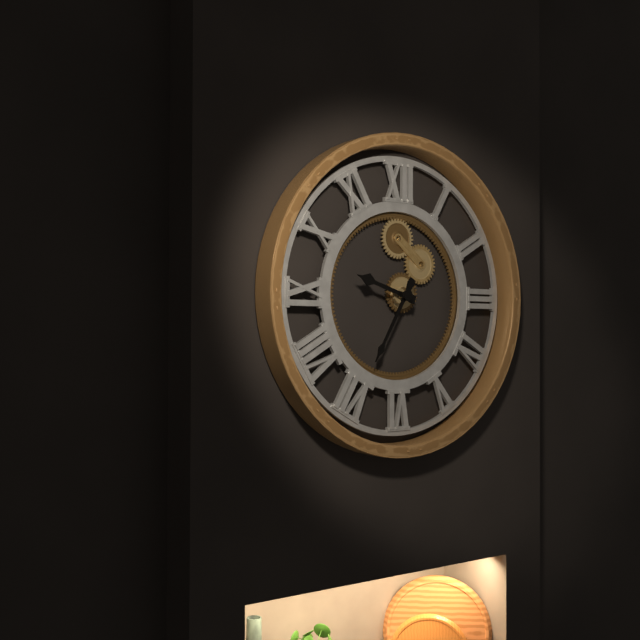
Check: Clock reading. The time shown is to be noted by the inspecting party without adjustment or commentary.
9:35
